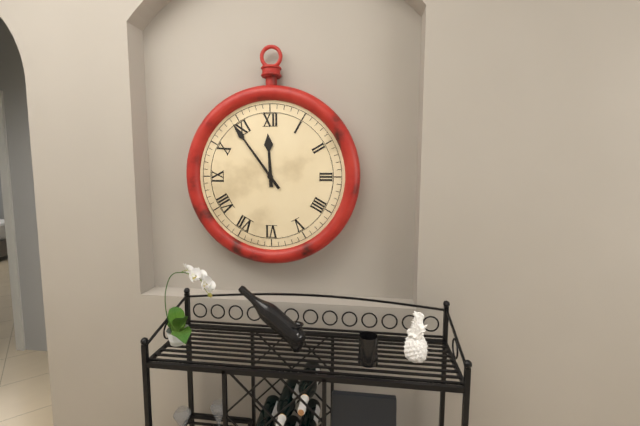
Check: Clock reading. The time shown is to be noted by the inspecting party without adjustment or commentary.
11:54
